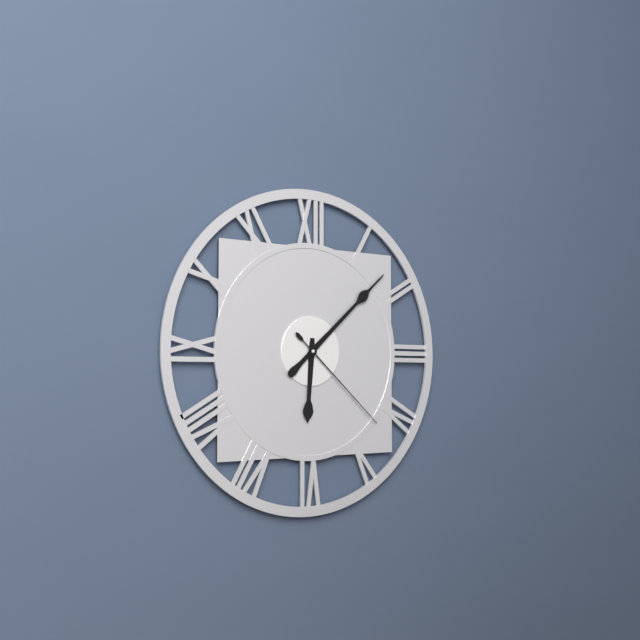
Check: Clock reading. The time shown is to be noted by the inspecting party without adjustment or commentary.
6:08:22
